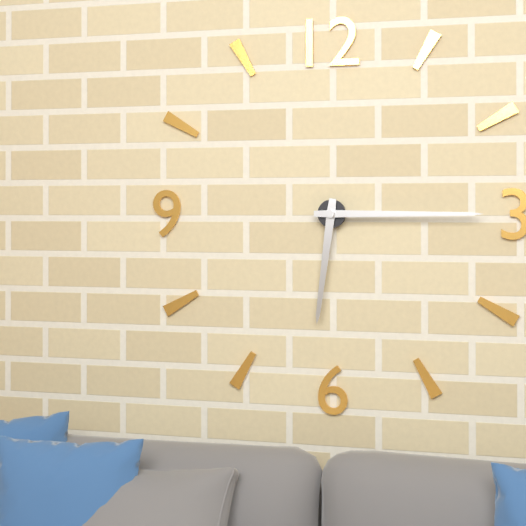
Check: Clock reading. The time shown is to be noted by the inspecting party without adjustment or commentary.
6:15
